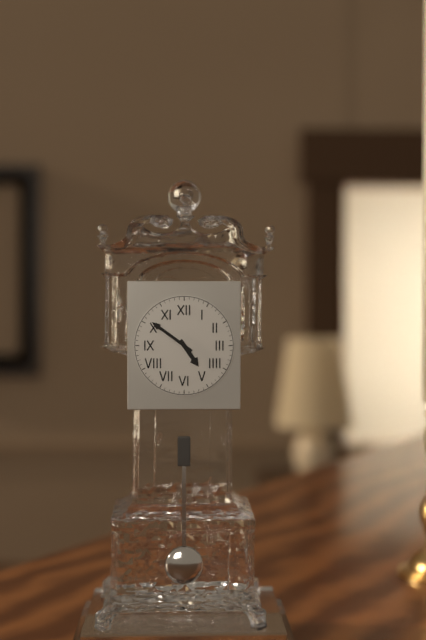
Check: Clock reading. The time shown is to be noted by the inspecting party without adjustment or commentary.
4:51
